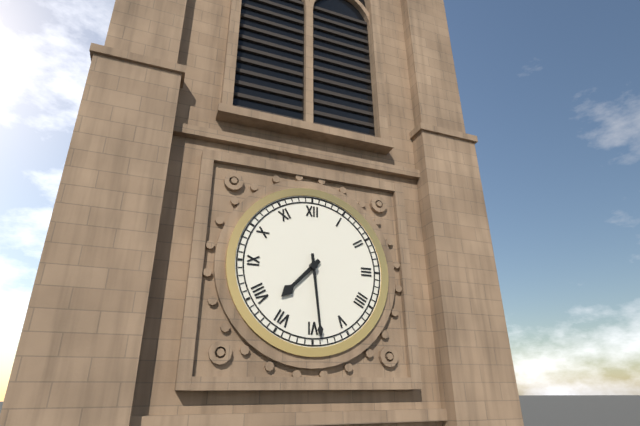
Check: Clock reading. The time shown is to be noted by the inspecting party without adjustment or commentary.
7:29
